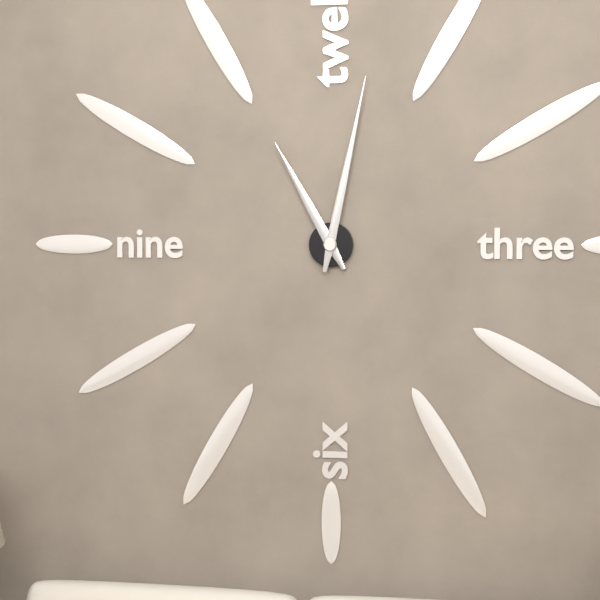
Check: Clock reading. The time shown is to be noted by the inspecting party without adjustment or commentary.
11:02
